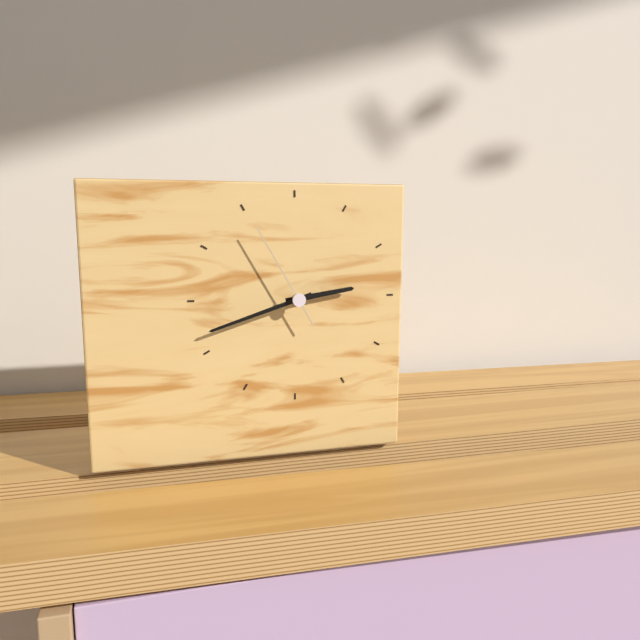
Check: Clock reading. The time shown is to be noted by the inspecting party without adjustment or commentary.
2:42:55
